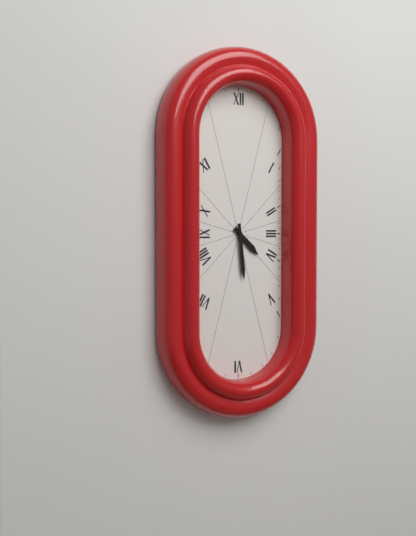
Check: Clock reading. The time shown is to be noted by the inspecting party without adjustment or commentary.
4:29
